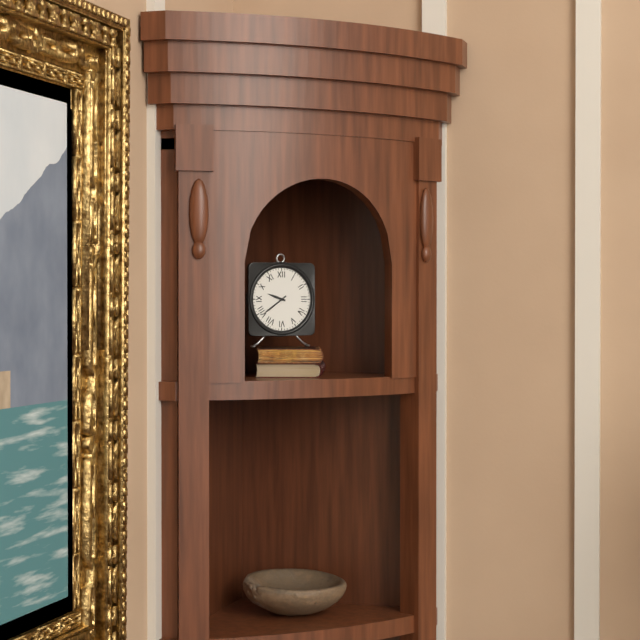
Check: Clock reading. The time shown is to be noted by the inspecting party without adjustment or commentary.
9:39
